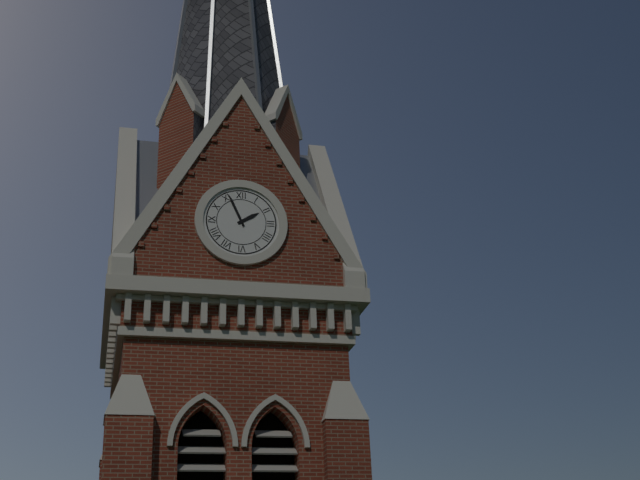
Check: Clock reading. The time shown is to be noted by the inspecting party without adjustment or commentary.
1:56
